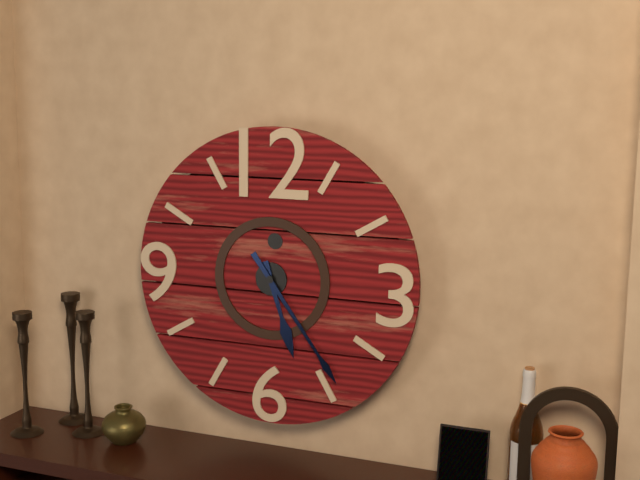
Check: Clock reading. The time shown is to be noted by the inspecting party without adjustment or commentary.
5:24
